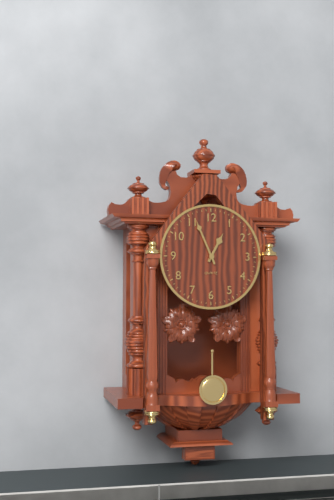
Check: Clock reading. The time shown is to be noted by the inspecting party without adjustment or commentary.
12:56
